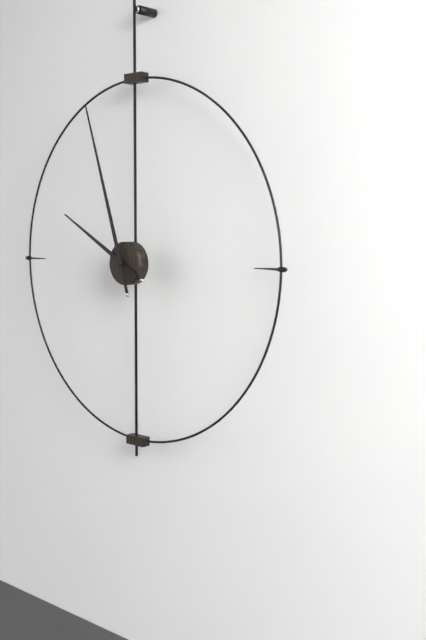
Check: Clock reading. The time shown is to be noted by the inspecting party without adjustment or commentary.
9:57
